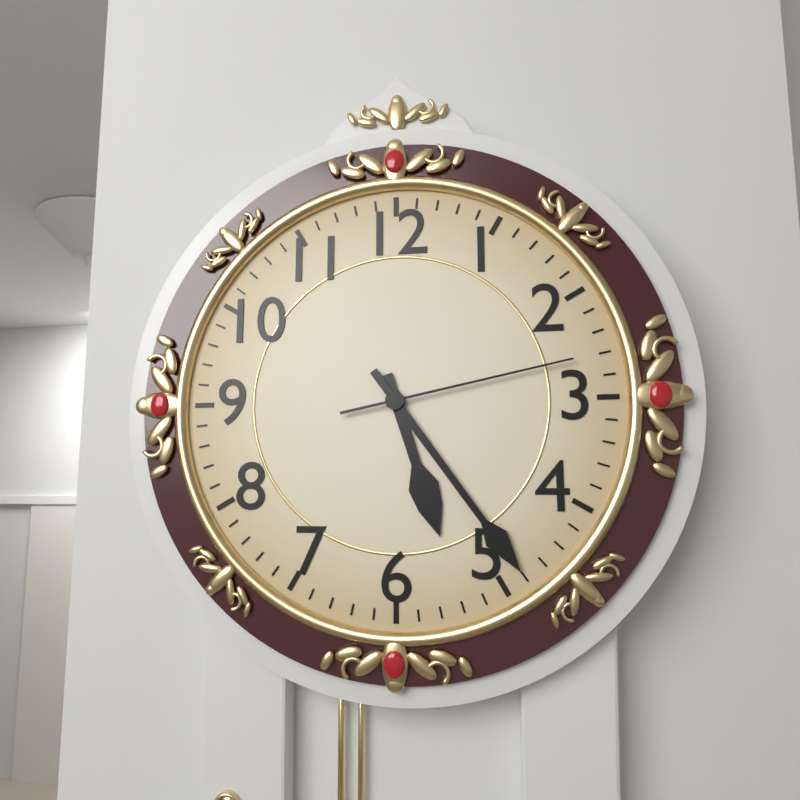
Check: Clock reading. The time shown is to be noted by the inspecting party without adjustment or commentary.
5:24:13
